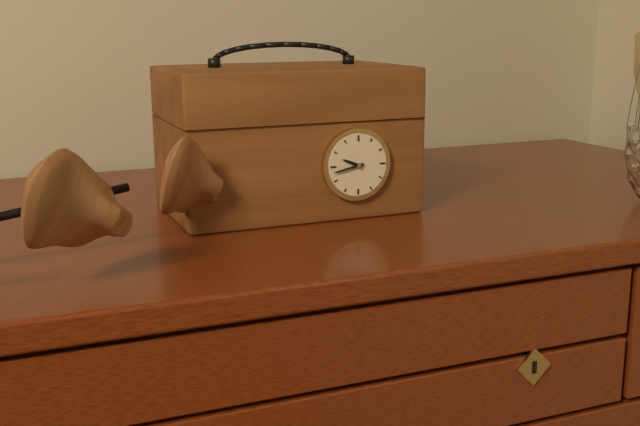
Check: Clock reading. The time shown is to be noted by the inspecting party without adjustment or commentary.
9:43
